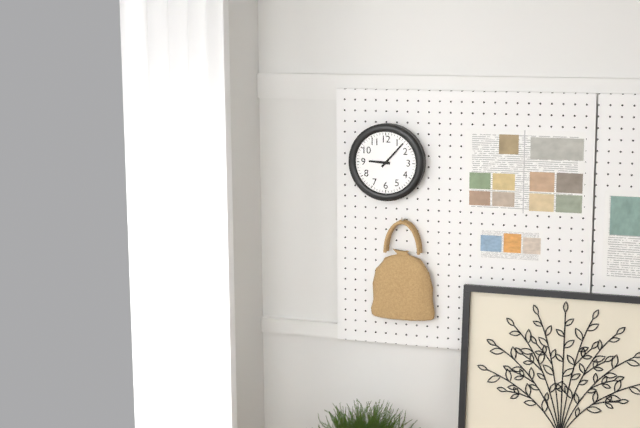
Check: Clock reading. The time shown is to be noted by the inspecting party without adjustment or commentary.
9:07
